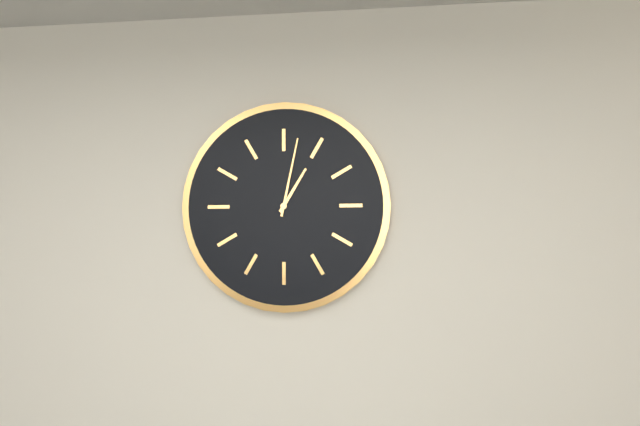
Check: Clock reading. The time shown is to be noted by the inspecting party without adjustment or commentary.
1:02
